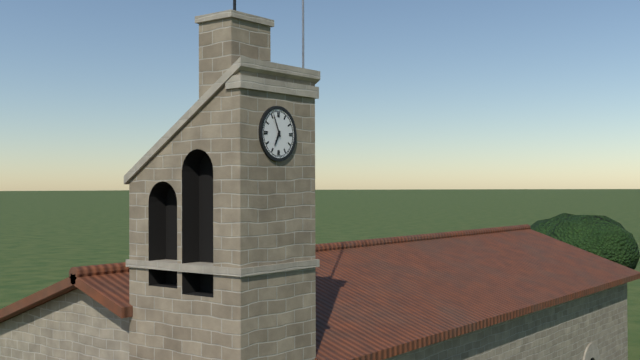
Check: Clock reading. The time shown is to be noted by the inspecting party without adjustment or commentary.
6:56
